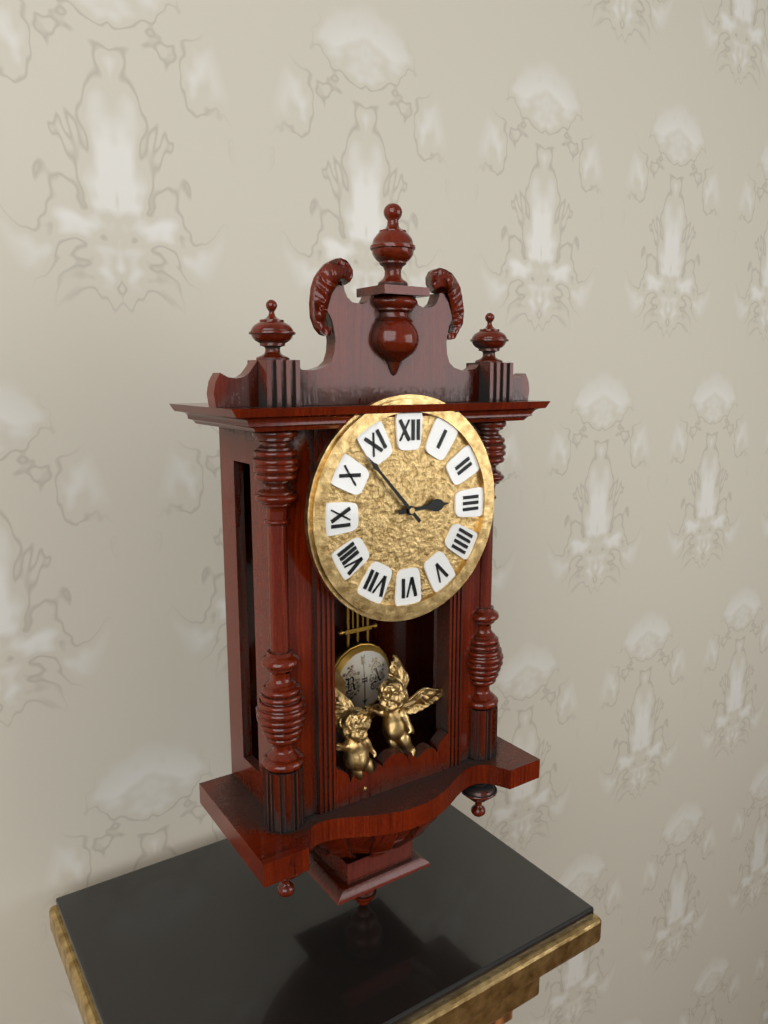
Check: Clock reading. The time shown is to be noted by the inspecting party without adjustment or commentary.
2:53
